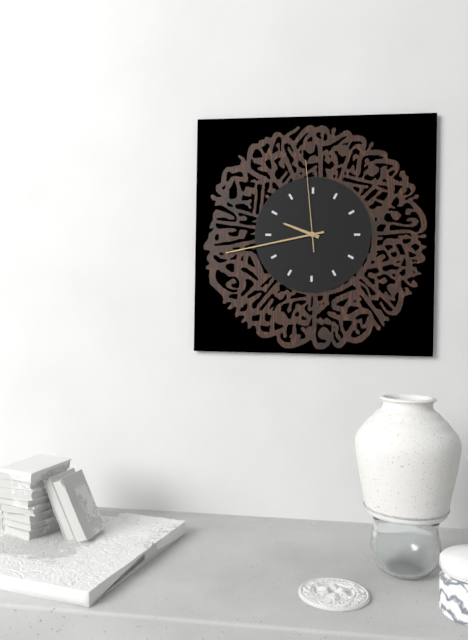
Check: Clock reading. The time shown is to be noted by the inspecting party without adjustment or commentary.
9:43:59
